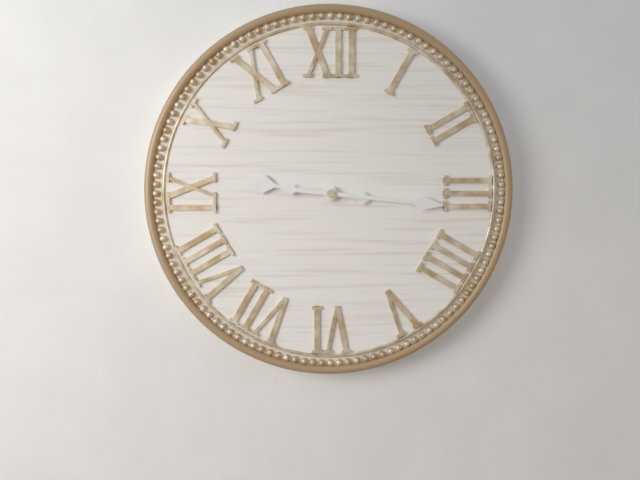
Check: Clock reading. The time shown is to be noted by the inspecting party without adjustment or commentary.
9:16
